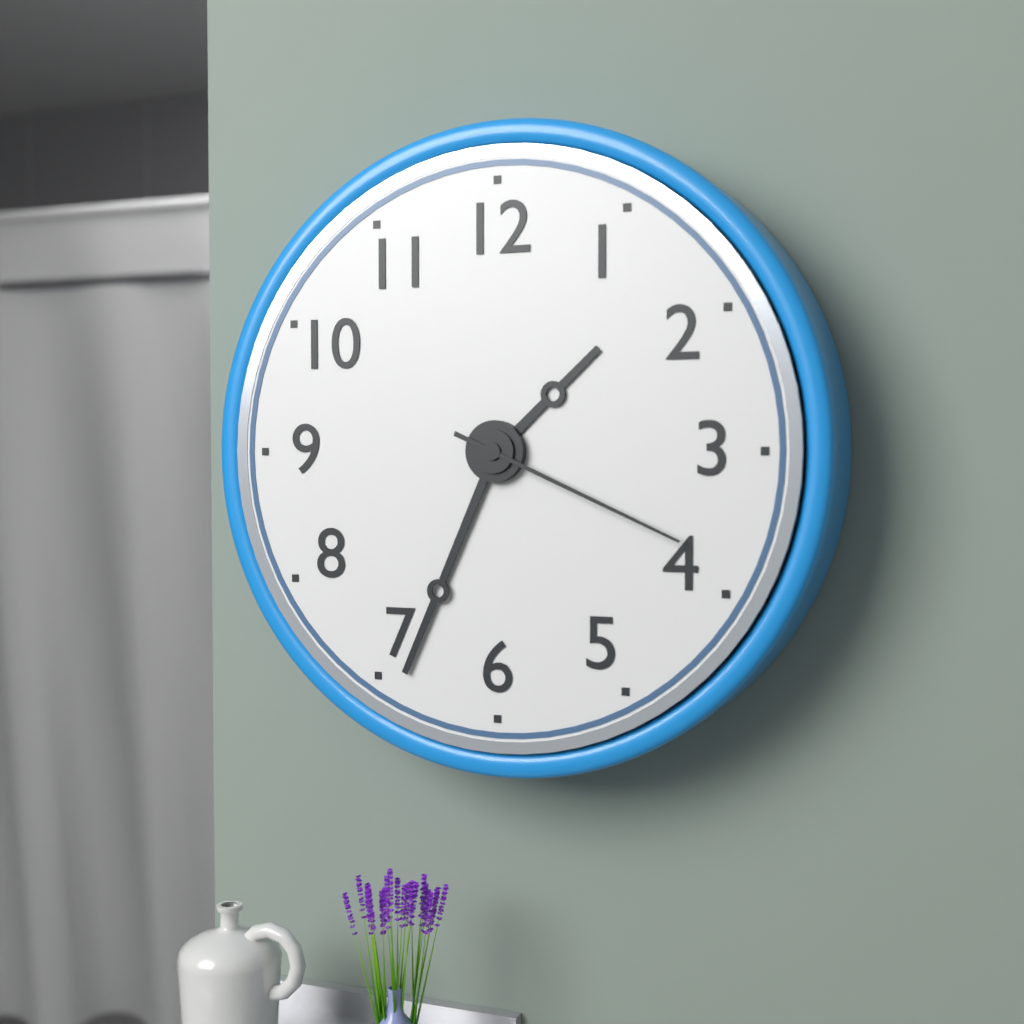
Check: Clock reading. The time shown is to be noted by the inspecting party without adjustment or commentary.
1:34:19
